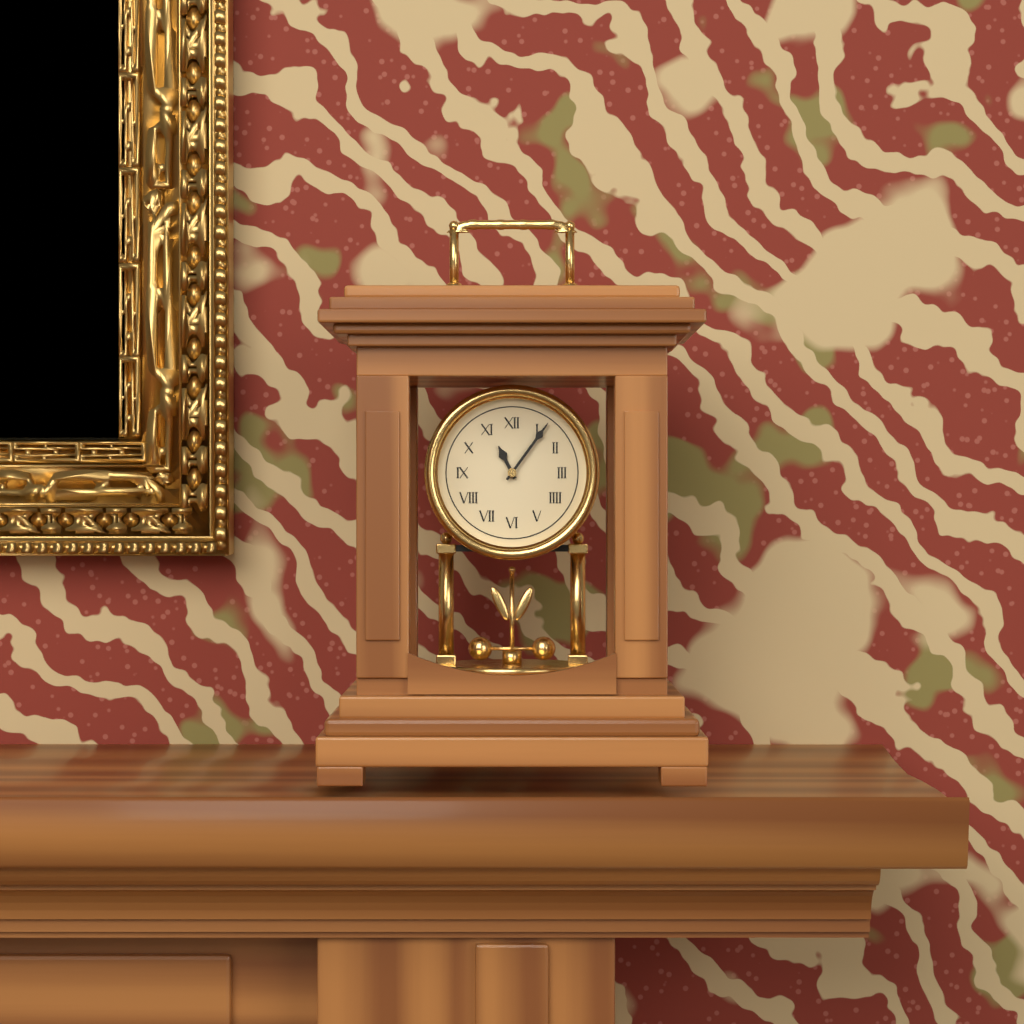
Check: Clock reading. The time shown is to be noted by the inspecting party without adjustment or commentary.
11:06
